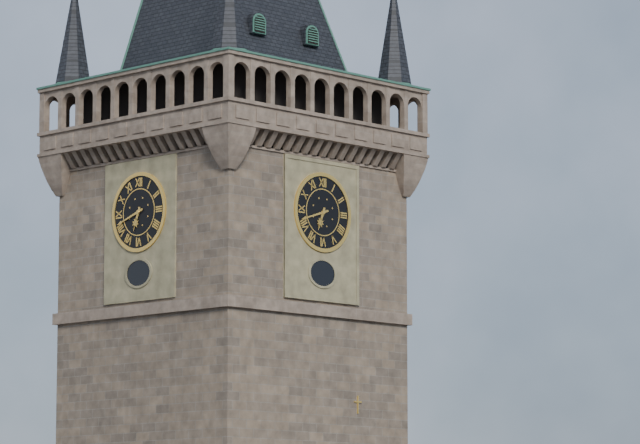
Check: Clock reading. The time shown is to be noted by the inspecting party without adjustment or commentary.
6:42
